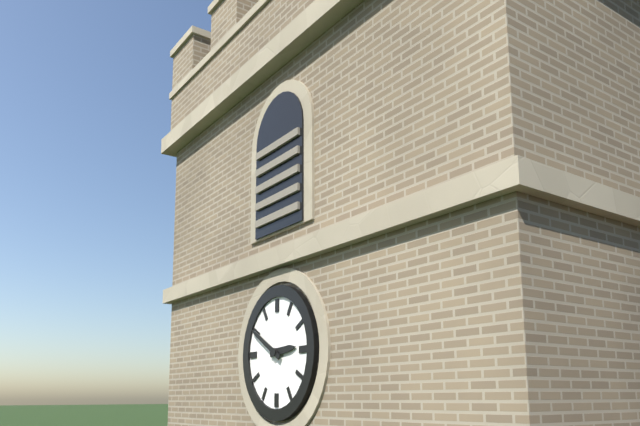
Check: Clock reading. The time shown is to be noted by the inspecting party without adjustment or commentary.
2:50
